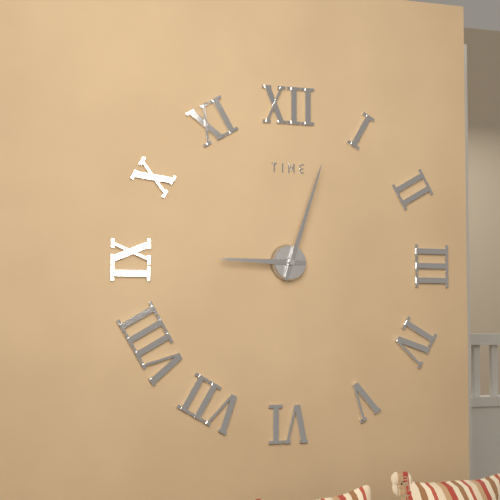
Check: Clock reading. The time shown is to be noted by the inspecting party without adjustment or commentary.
9:03
